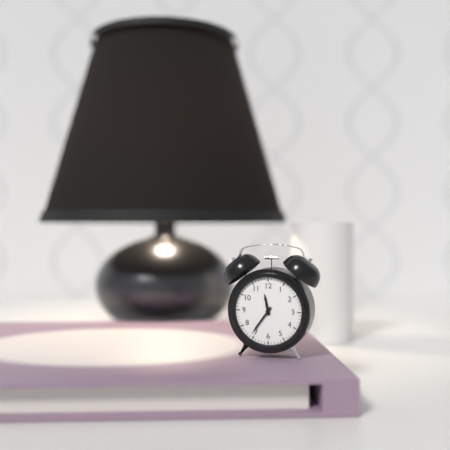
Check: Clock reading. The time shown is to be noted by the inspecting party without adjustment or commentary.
11:36
